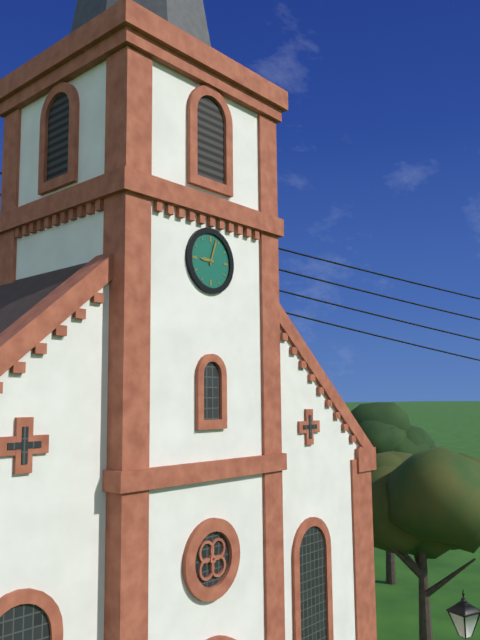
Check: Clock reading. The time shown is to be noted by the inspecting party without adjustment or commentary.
9:03
